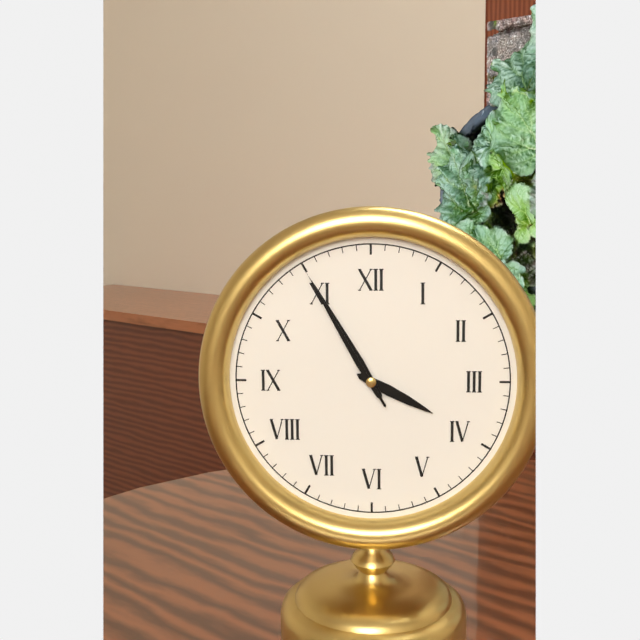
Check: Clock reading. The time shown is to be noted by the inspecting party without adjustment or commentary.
3:55:55
